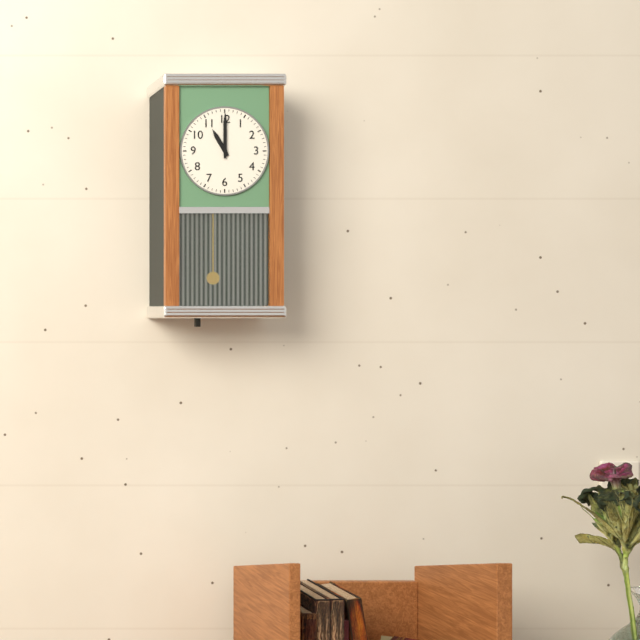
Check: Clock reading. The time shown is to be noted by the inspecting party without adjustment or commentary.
11:00
